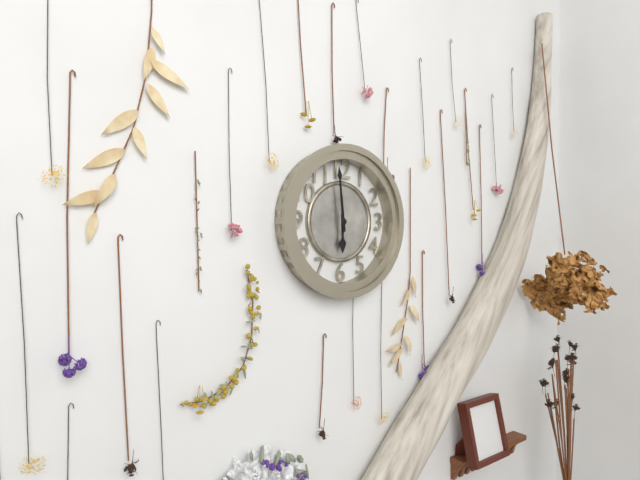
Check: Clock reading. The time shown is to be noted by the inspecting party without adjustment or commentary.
5:59
